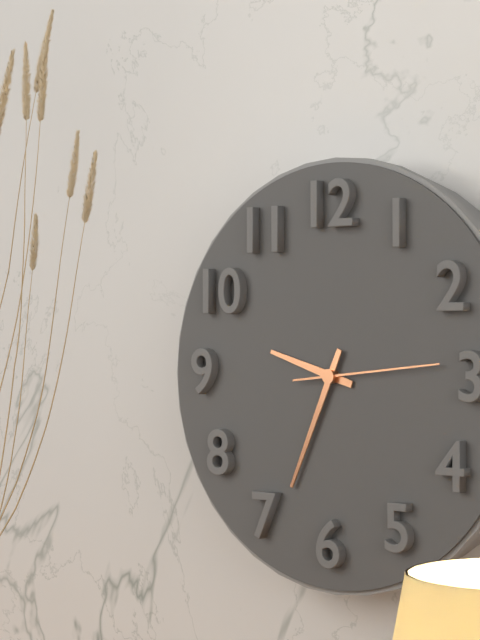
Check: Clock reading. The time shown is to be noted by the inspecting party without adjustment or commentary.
9:34:14
